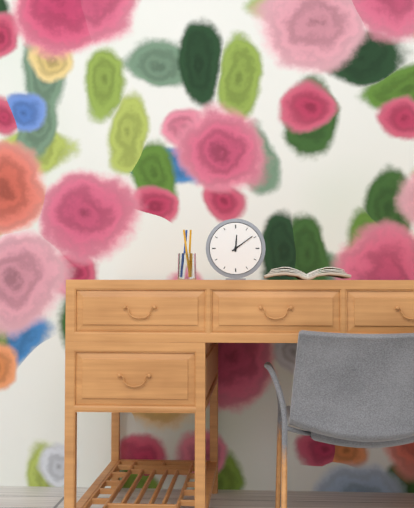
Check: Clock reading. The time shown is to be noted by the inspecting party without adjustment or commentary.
12:09
